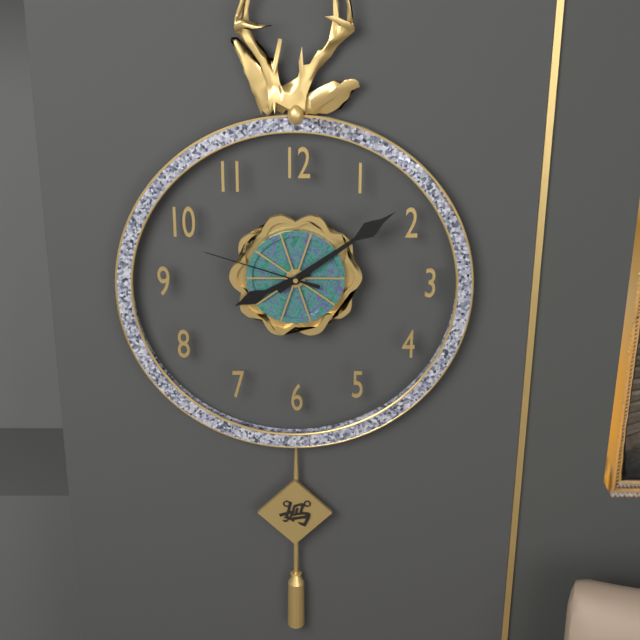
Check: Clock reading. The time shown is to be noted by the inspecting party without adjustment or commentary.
8:09:48
